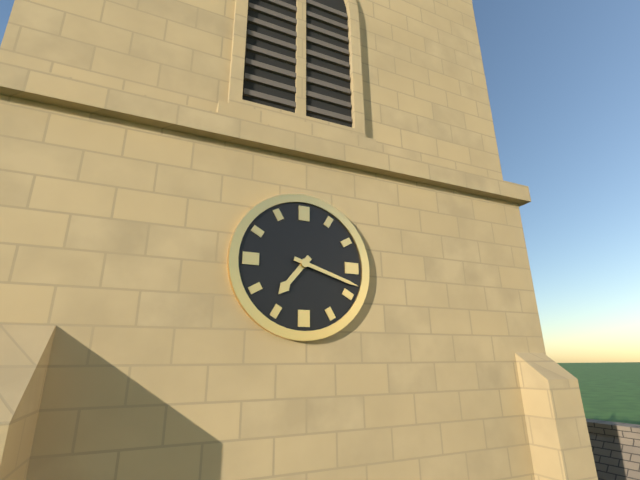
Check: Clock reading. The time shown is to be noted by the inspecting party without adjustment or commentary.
7:18
